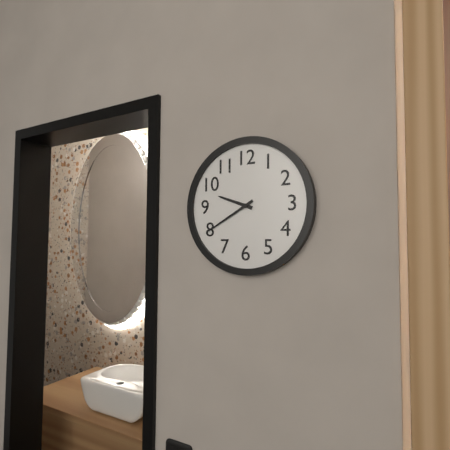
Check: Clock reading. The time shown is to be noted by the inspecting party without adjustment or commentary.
9:40
